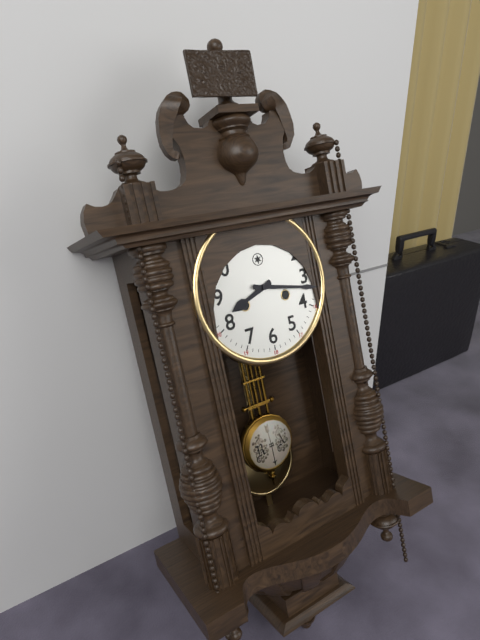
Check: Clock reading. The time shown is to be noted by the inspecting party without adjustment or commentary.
8:17
